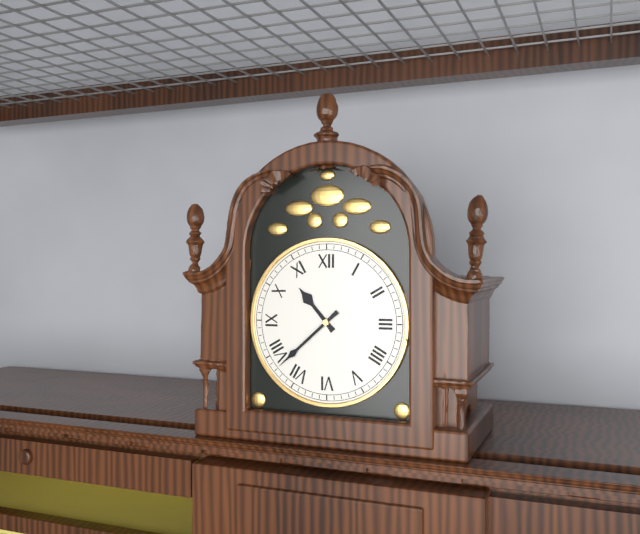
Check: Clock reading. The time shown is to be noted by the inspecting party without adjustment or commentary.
10:38
